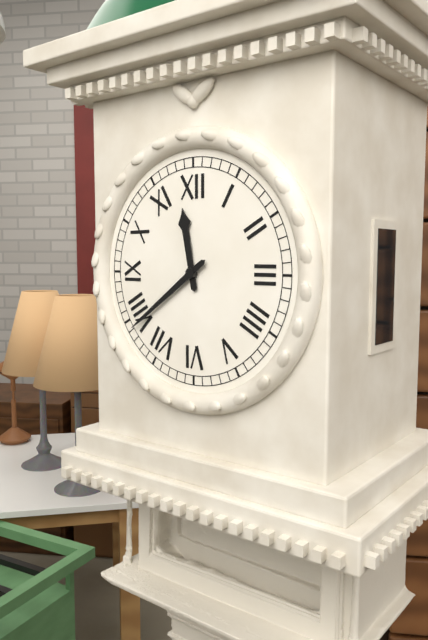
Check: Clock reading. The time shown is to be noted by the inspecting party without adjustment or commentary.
11:39
